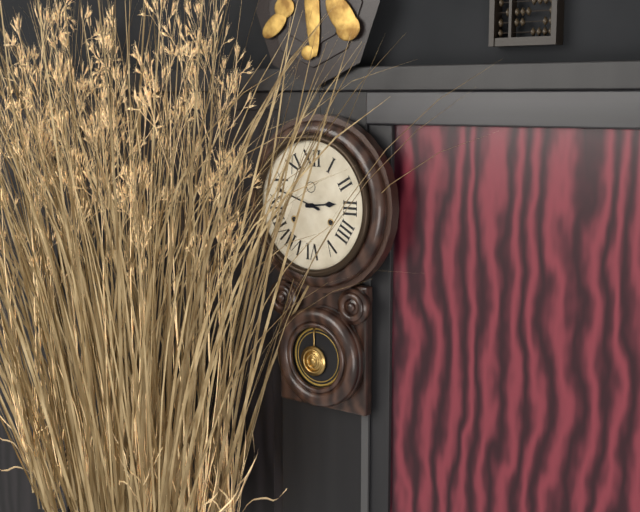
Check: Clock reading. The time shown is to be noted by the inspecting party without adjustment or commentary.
2:48
